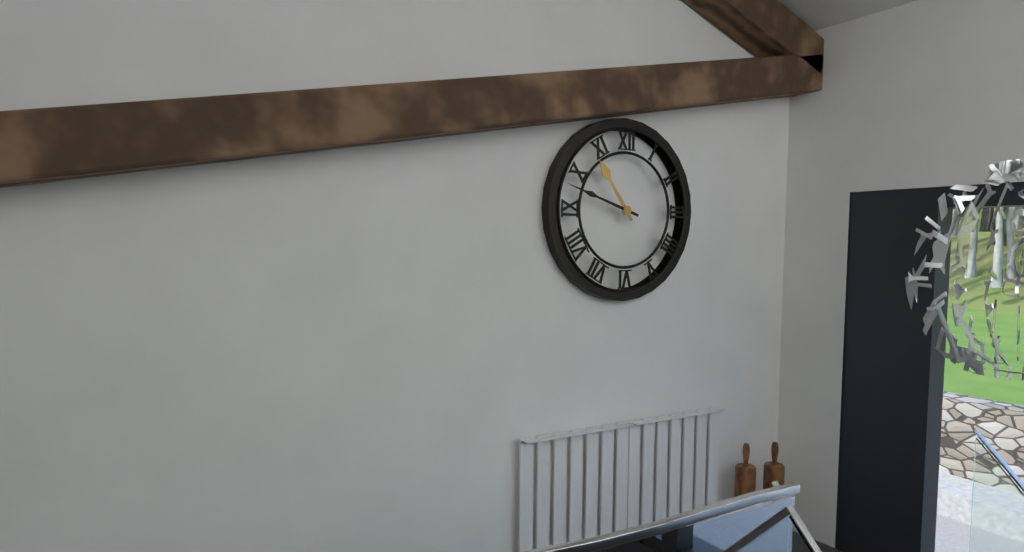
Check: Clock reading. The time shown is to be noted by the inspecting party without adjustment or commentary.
10:48
